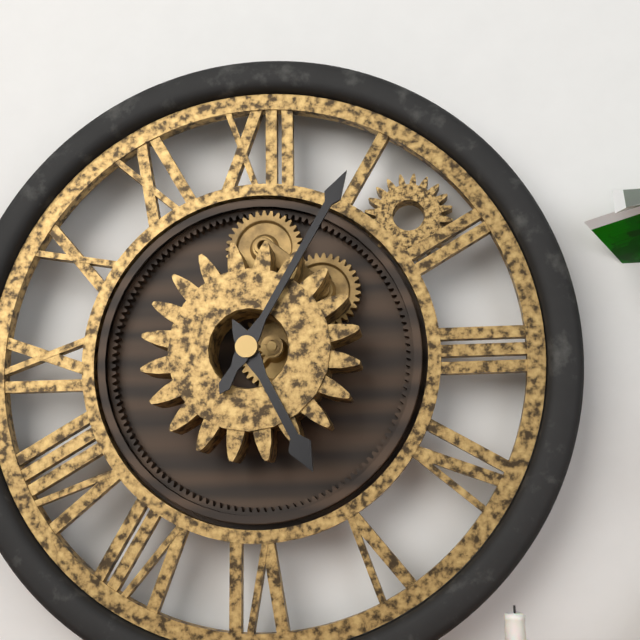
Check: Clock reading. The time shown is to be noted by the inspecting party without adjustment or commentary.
5:05
